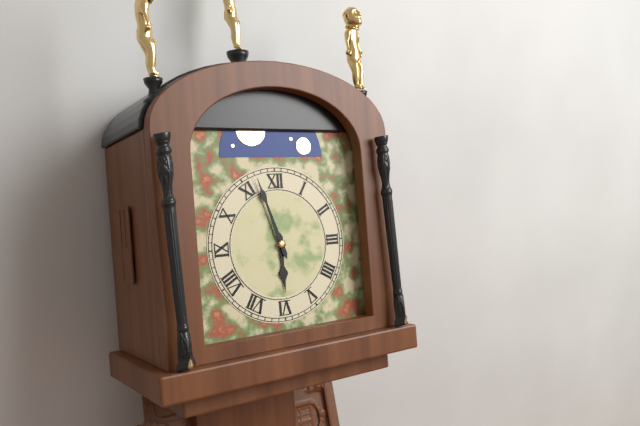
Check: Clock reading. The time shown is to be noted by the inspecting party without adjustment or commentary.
5:57
